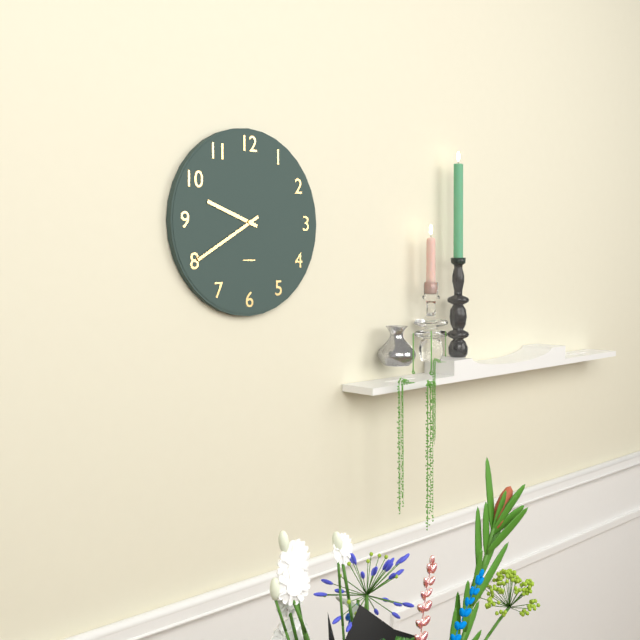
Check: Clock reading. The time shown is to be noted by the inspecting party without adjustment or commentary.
9:40
